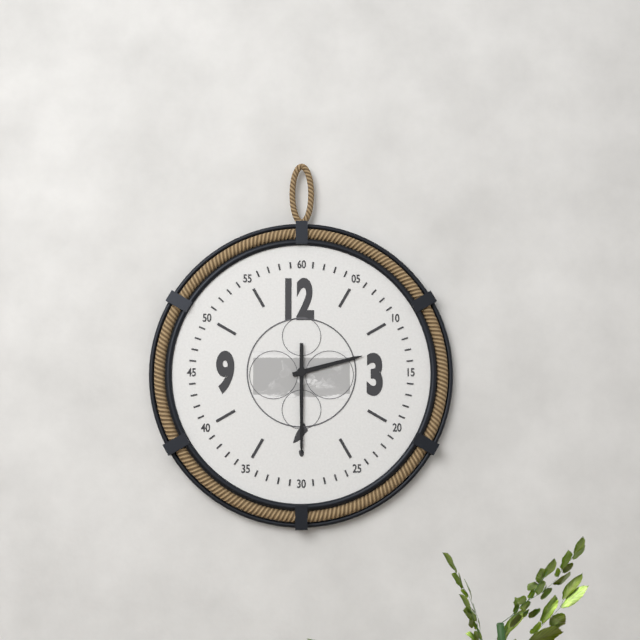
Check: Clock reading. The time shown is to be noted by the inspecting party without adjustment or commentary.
2:30
